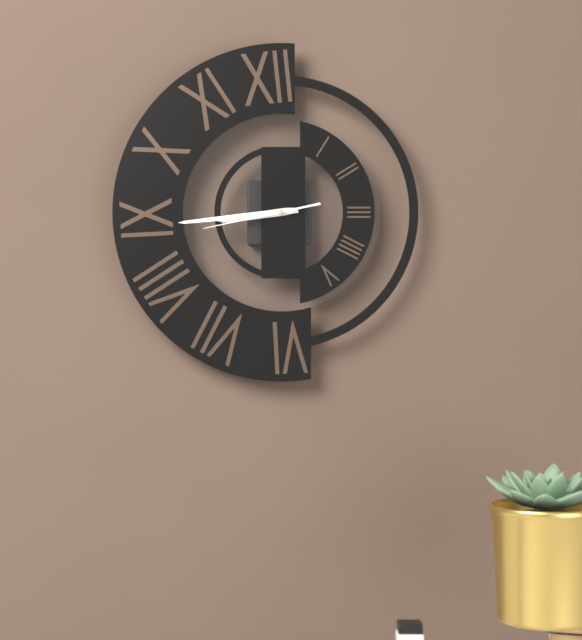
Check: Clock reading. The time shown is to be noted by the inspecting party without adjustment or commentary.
8:44:43
